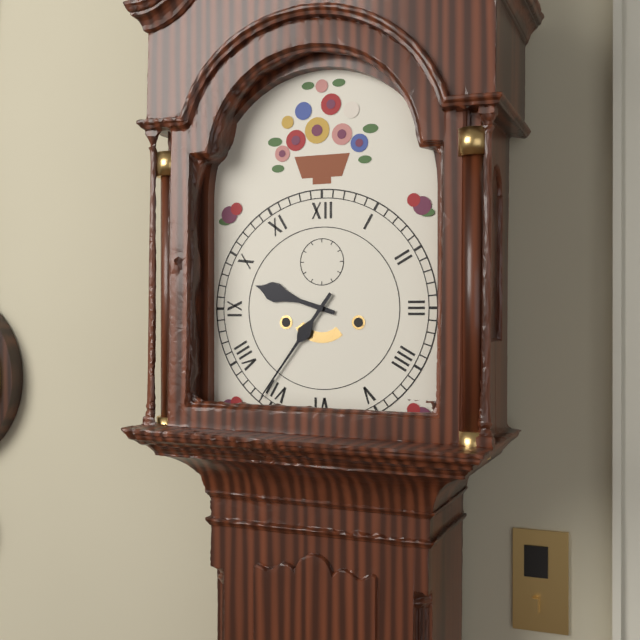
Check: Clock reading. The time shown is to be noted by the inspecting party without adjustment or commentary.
9:36
